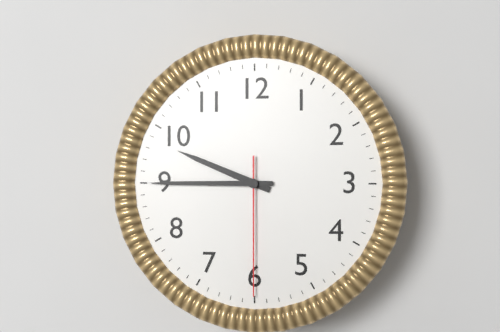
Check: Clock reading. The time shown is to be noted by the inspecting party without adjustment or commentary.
9:45:30
